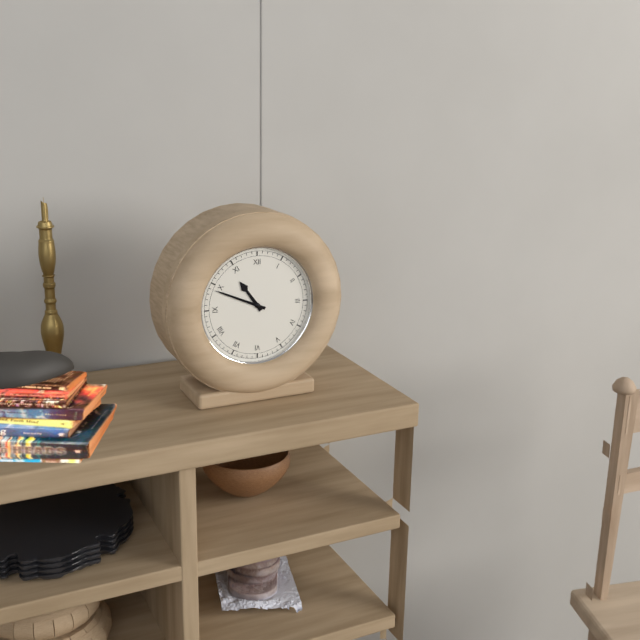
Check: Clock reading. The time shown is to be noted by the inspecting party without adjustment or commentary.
10:49
